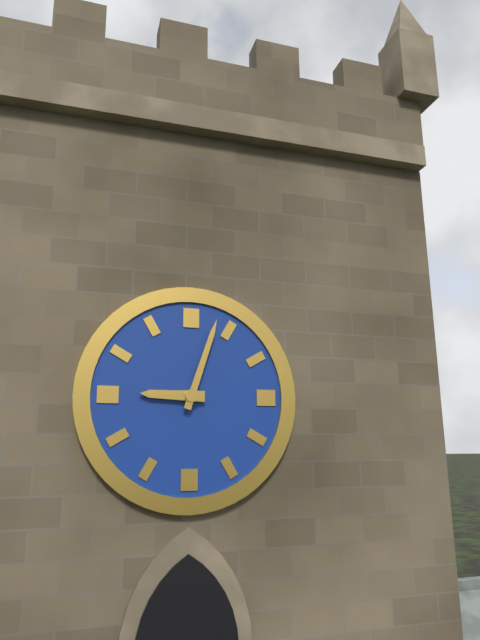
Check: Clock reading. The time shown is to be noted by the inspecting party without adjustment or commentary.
9:03
